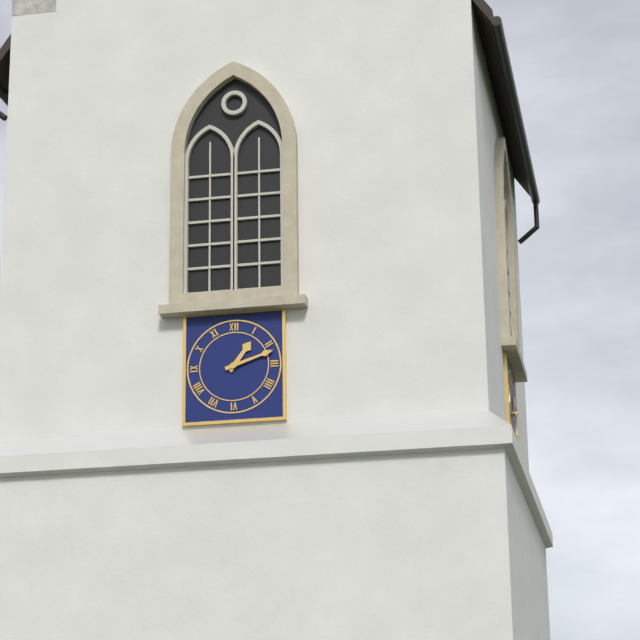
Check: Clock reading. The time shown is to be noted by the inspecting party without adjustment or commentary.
1:12
